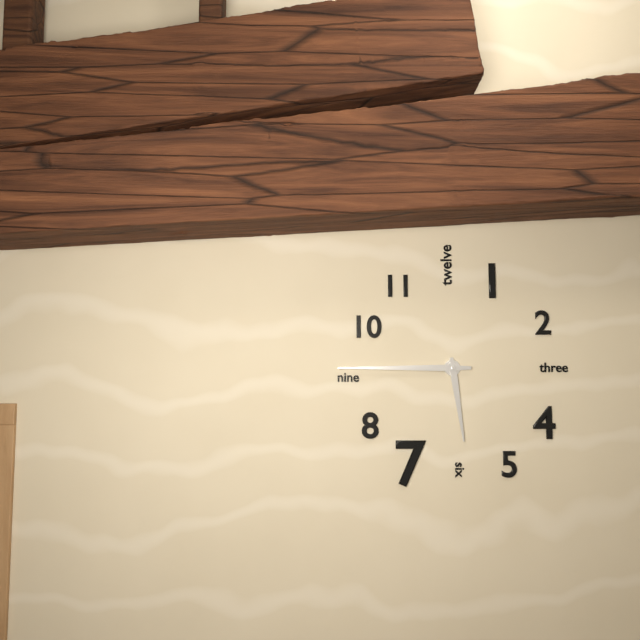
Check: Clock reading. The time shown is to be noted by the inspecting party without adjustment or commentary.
5:45
